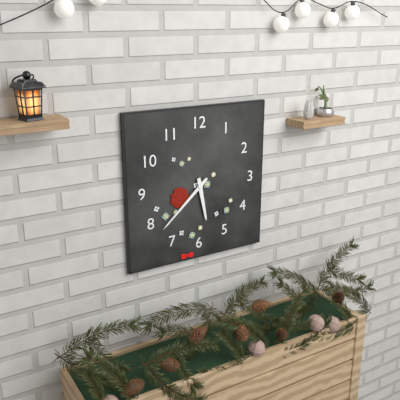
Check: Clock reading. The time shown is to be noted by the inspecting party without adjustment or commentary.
5:38
